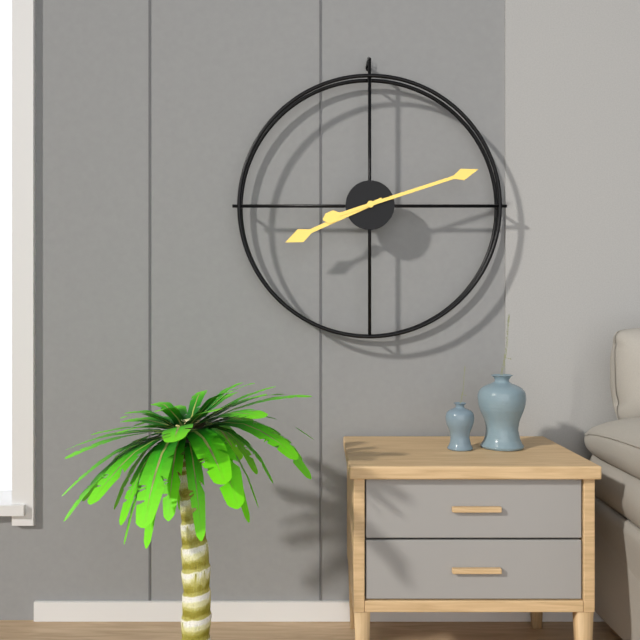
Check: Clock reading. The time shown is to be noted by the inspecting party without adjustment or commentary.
8:12
